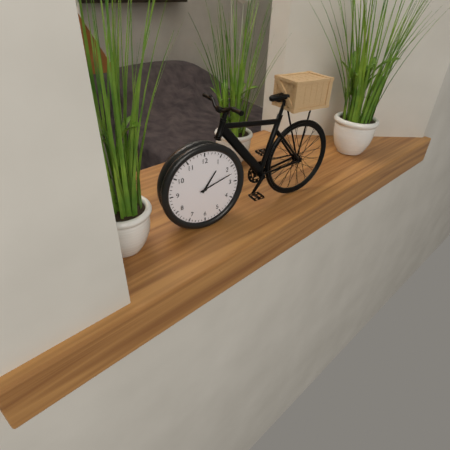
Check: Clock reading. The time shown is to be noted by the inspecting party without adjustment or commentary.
1:12
